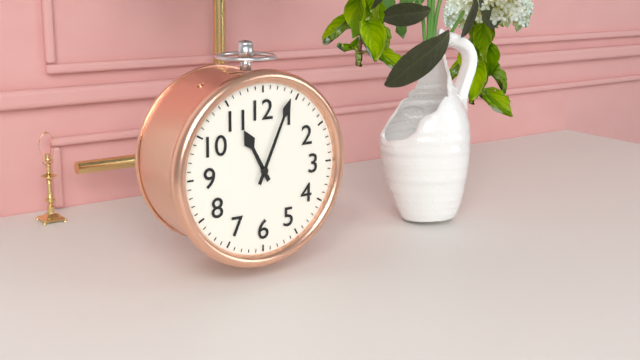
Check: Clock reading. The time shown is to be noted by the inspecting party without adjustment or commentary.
11:04
